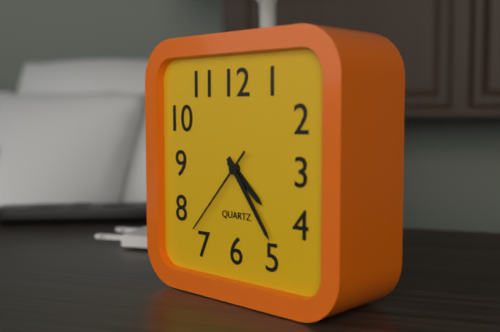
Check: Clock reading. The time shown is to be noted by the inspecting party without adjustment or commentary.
4:24:37
